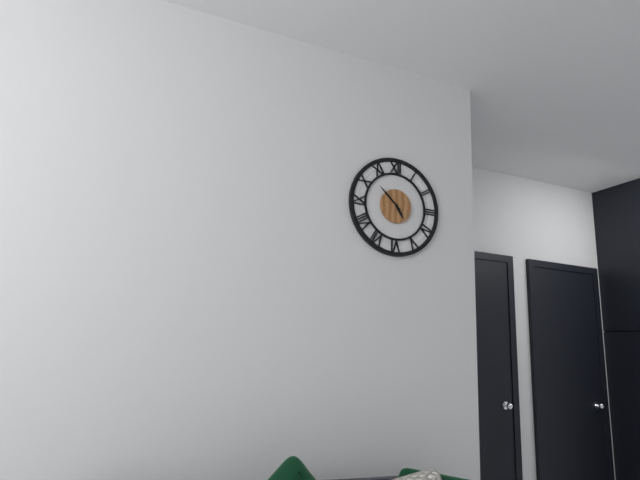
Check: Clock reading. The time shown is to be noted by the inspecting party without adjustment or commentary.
4:52
